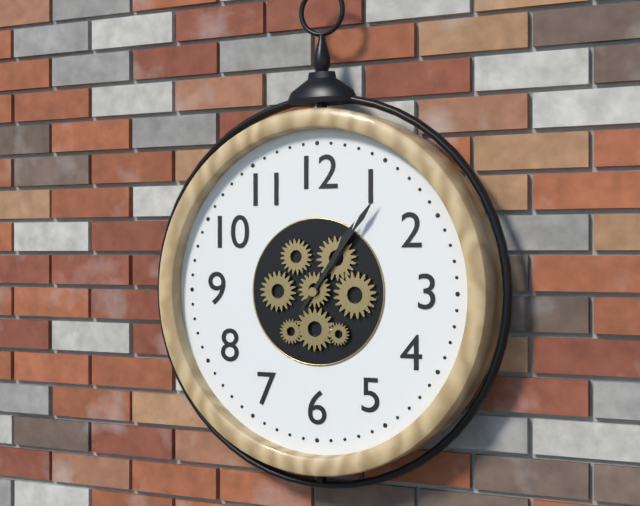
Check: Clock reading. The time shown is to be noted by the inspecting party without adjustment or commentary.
1:06
